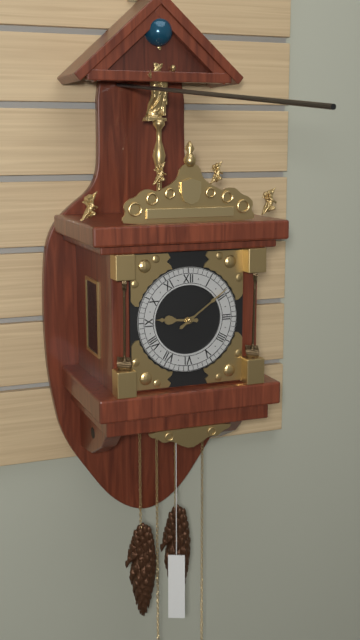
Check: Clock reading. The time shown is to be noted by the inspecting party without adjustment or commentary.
9:09
